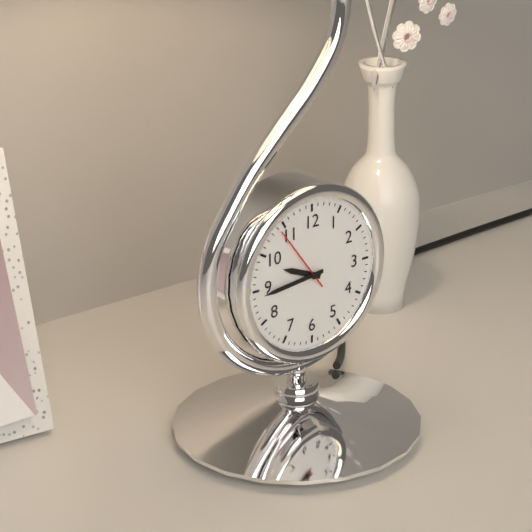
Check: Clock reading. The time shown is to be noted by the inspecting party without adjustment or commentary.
9:44:54
